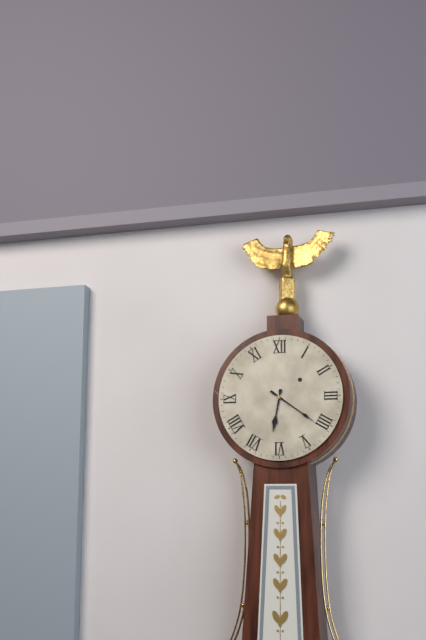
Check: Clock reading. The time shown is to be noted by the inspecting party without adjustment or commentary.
6:21
